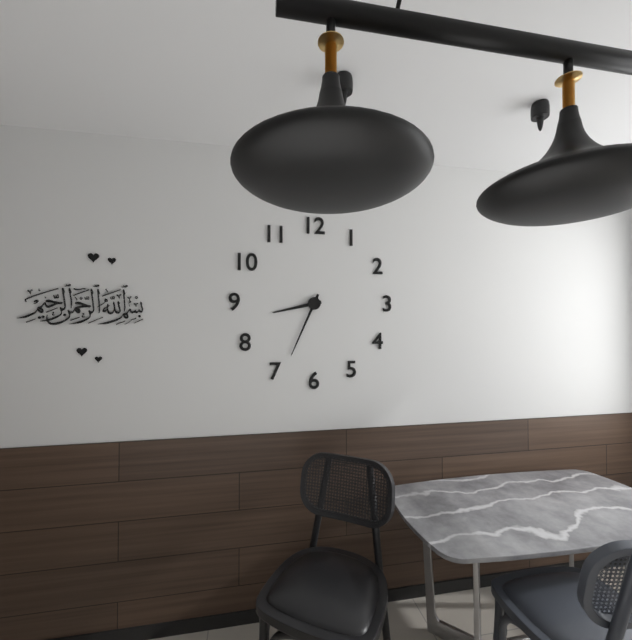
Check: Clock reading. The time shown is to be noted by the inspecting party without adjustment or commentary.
8:34
